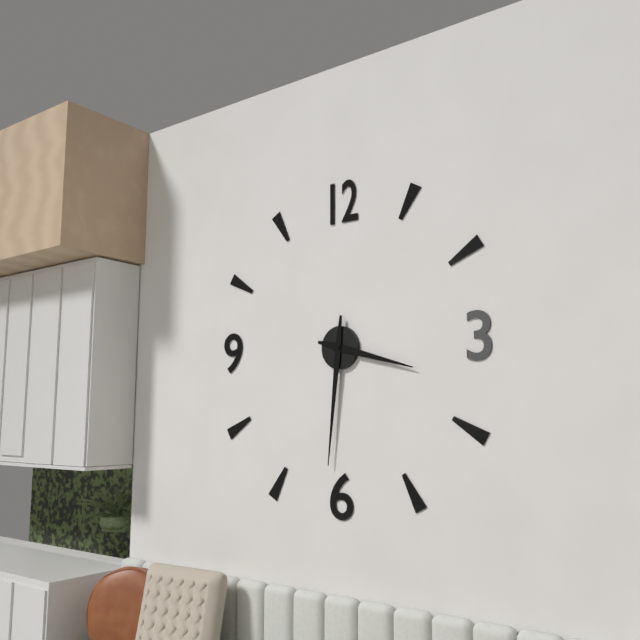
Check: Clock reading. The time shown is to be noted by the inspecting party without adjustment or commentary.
3:31
